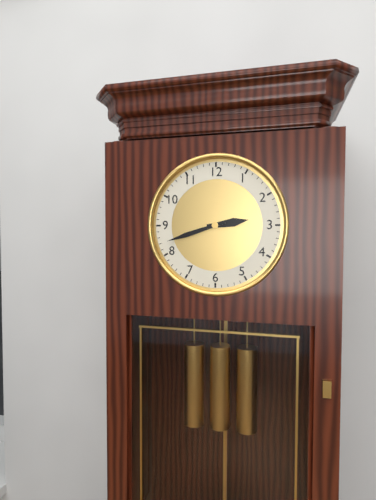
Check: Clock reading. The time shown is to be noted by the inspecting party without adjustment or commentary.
2:42
